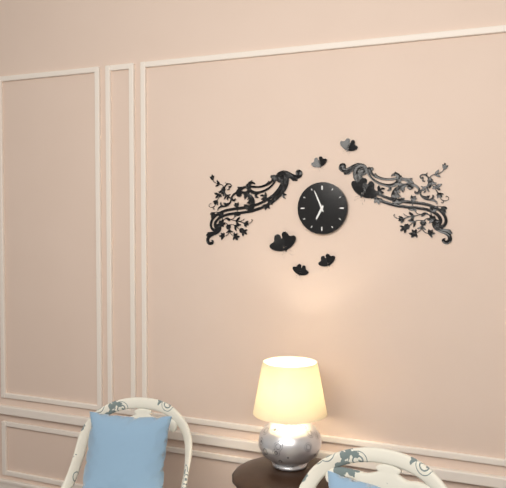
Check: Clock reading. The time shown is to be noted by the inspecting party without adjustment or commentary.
6:56
